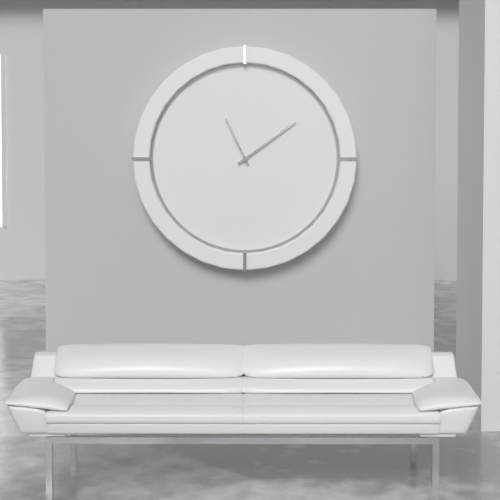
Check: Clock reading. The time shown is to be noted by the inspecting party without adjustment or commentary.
11:09
